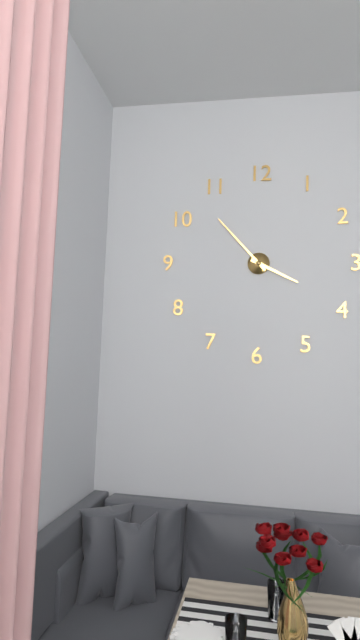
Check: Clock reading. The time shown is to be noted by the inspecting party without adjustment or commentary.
3:53
